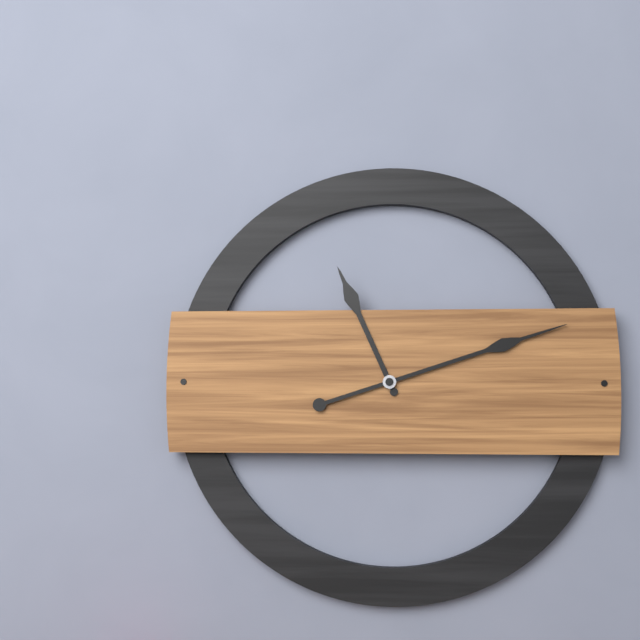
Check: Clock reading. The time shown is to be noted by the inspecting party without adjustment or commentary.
11:12
